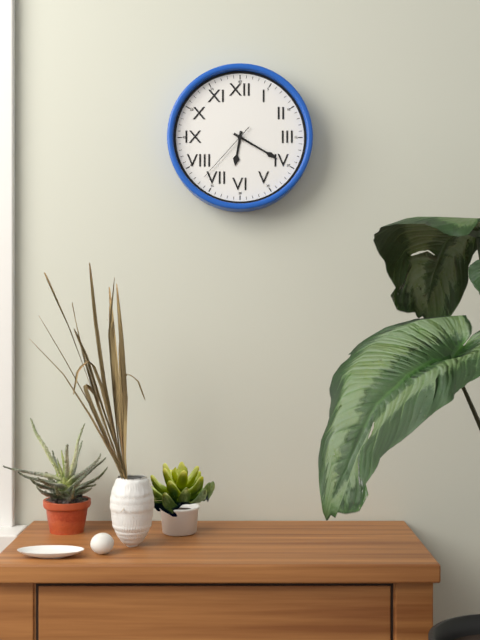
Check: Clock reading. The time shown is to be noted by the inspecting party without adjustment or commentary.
6:20:37
